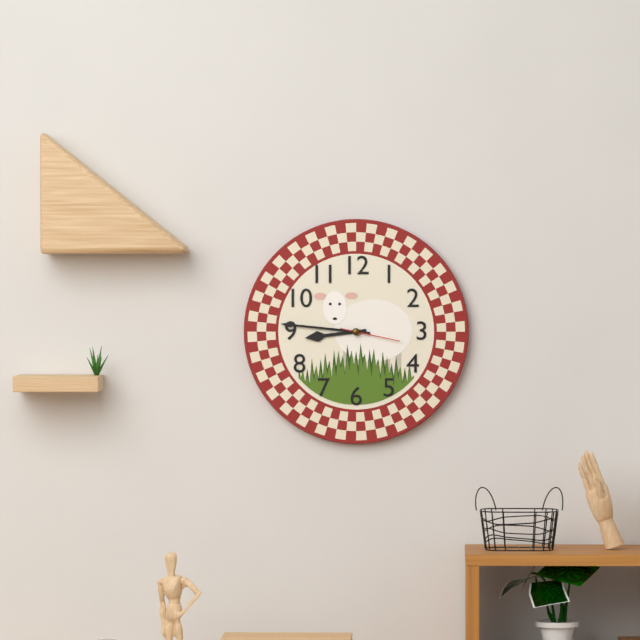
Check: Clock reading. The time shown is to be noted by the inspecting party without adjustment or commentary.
8:46:17
